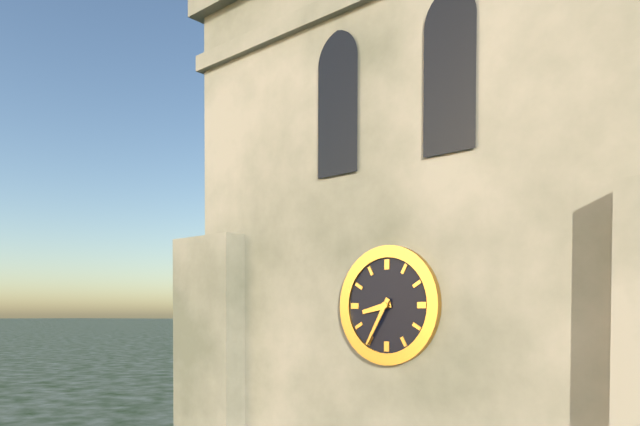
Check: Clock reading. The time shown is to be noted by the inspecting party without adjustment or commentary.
8:35
